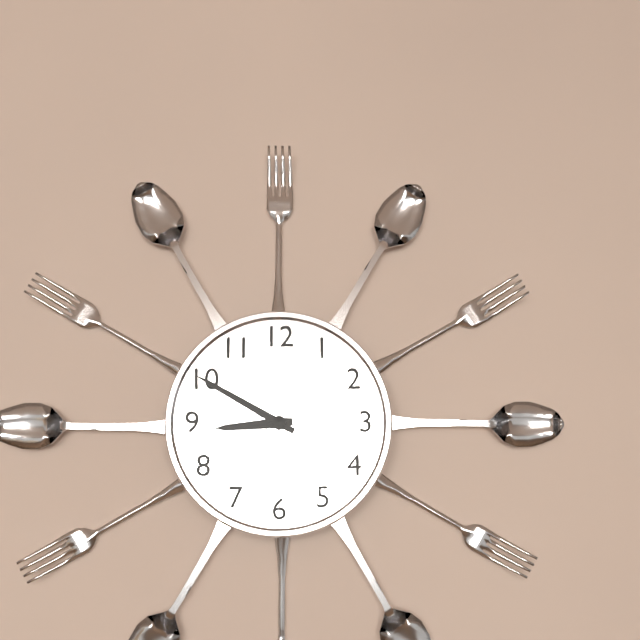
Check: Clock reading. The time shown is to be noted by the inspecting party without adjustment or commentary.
8:50
